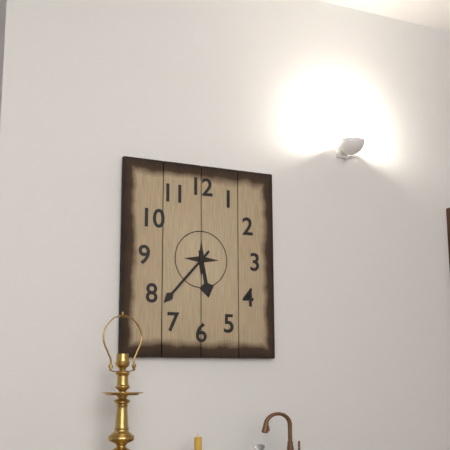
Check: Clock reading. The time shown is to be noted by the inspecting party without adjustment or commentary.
5:37
